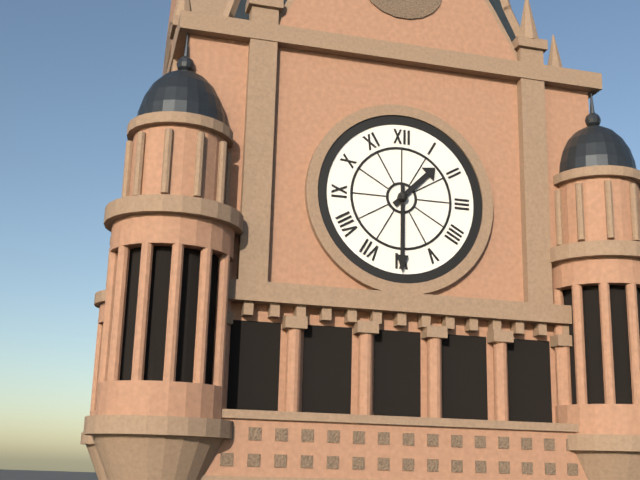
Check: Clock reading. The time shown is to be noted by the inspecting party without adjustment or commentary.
1:30
